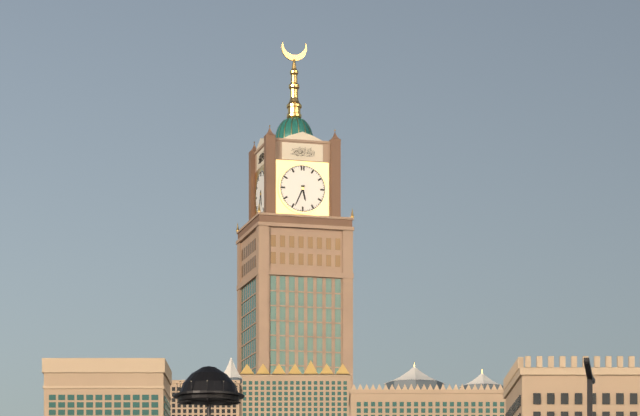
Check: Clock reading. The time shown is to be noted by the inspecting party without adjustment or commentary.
5:34
